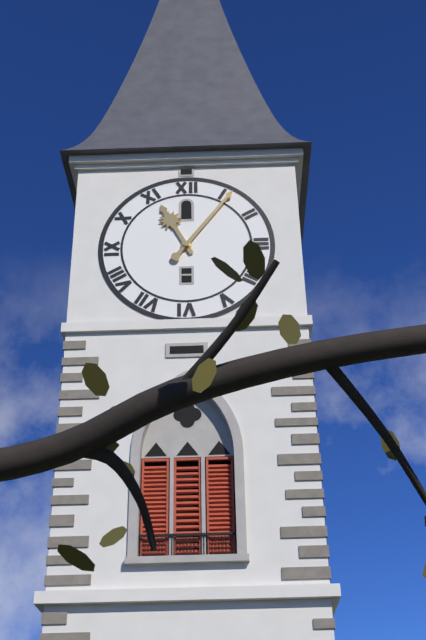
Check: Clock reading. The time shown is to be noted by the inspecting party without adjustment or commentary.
11:06
